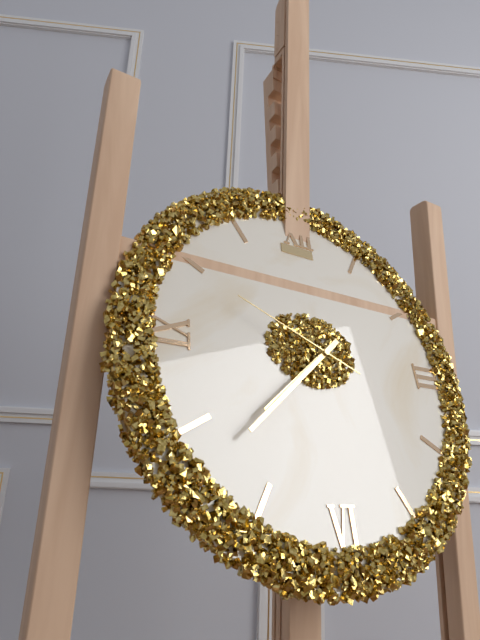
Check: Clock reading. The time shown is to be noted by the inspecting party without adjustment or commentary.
7:38:49
